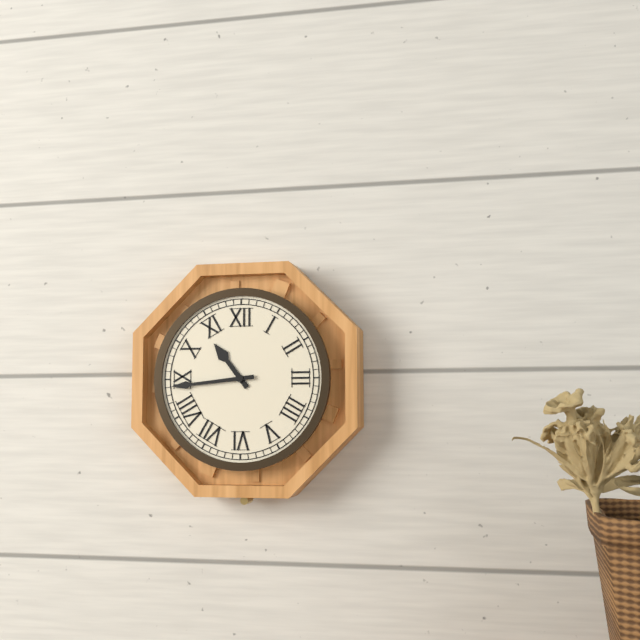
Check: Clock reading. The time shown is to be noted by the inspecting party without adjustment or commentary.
10:44
